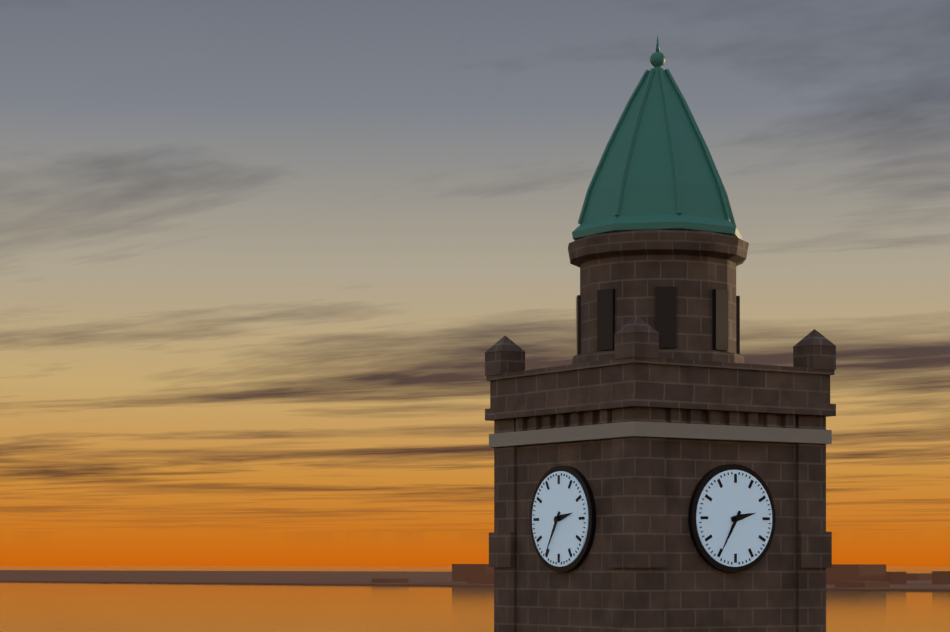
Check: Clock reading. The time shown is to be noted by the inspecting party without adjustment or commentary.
2:35
